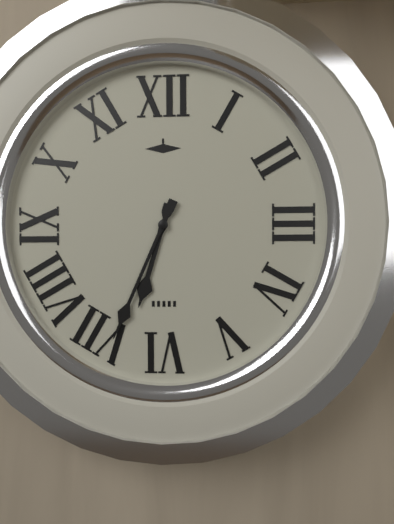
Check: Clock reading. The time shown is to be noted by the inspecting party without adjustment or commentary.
6:34
